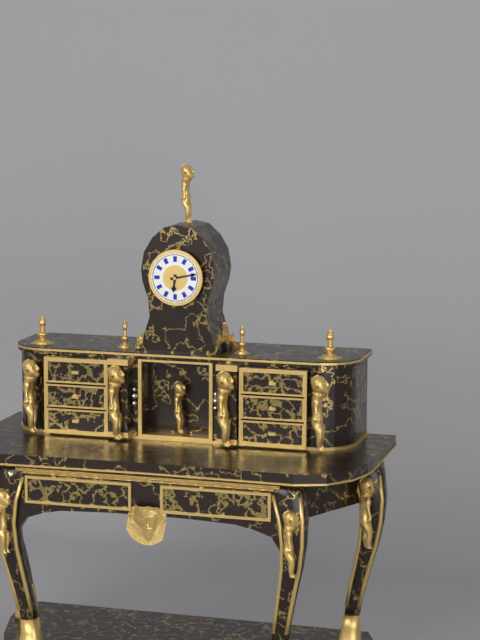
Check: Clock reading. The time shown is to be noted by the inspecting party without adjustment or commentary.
6:13
